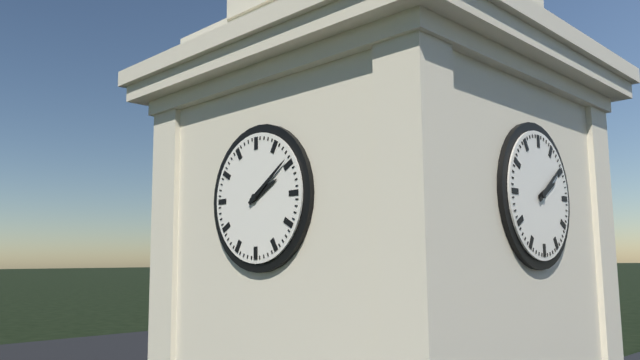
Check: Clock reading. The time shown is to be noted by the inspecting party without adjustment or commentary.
2:09
